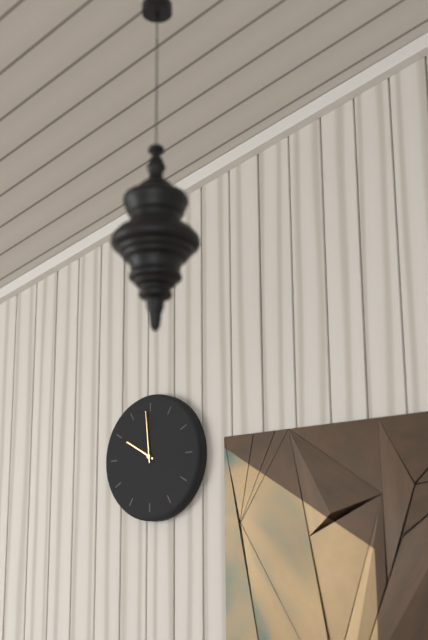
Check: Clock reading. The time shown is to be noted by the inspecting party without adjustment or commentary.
9:59
